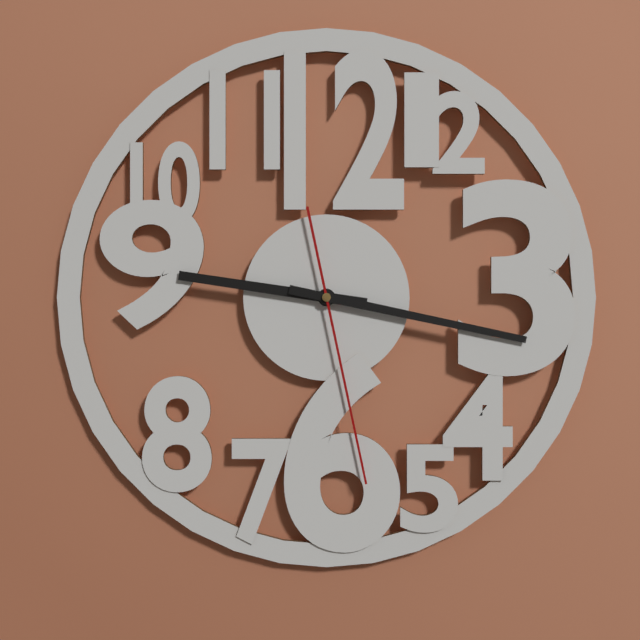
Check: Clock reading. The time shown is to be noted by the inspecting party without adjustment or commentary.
9:17:28
